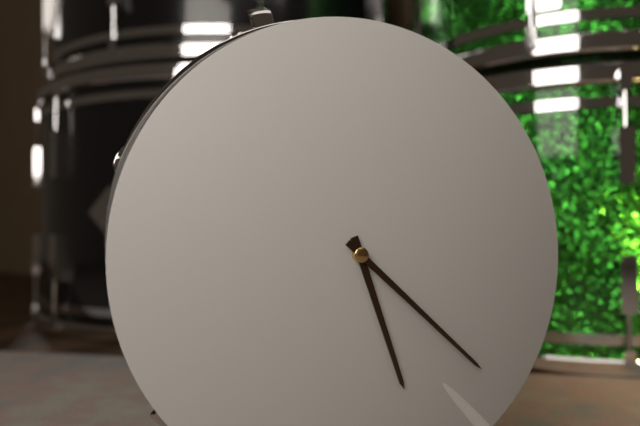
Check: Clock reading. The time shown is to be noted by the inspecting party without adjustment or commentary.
5:22
